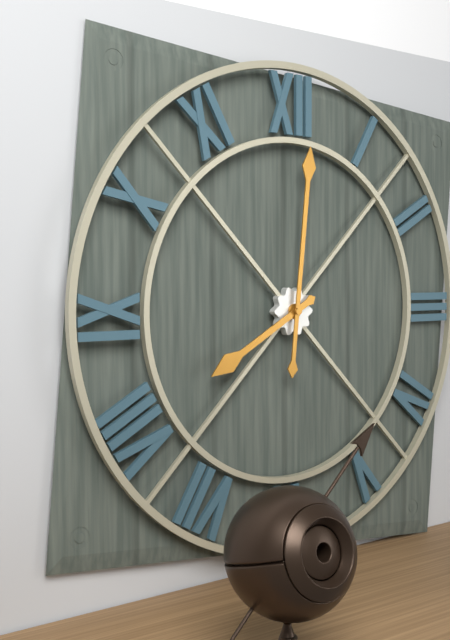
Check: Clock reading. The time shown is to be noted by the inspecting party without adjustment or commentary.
8:01
